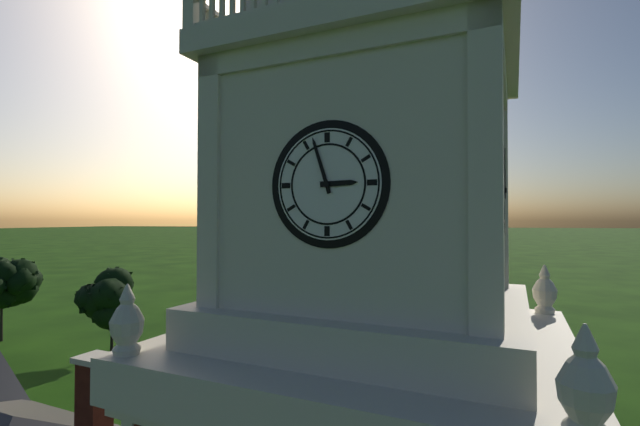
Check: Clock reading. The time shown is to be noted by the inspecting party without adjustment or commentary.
2:57
